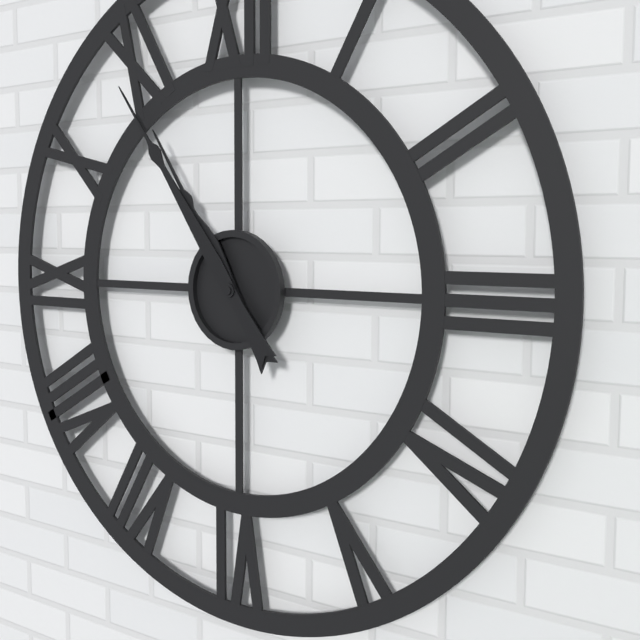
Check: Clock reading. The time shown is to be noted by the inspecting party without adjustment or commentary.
10:54
